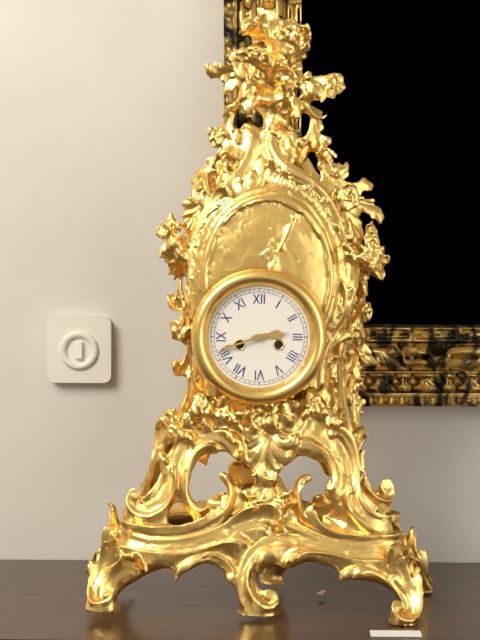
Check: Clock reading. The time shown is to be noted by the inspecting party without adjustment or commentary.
2:42
